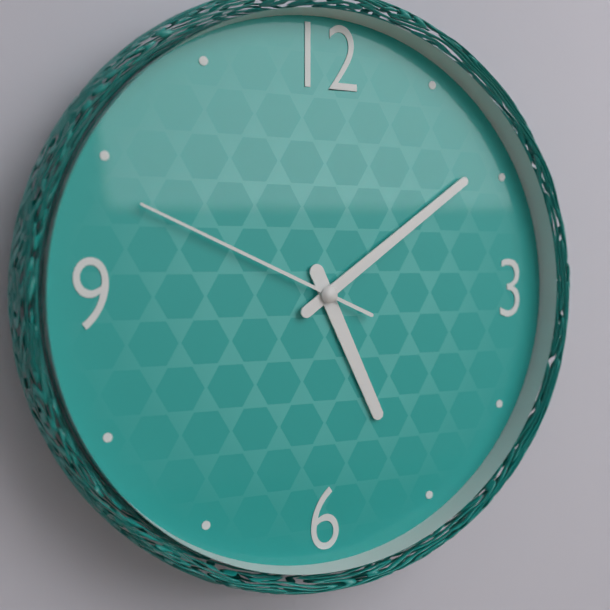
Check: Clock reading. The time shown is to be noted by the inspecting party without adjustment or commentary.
5:09:49
